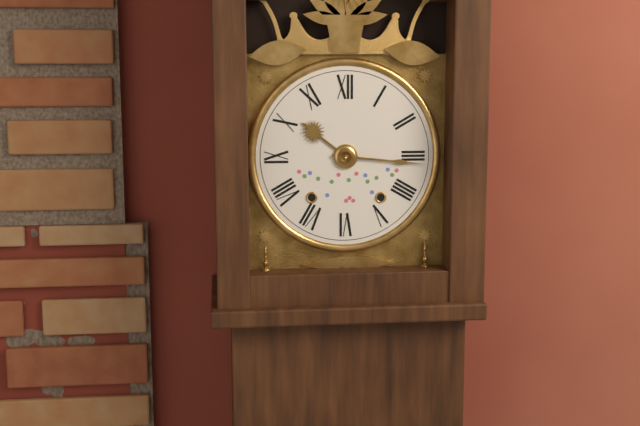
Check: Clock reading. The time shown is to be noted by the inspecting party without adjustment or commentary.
10:16
